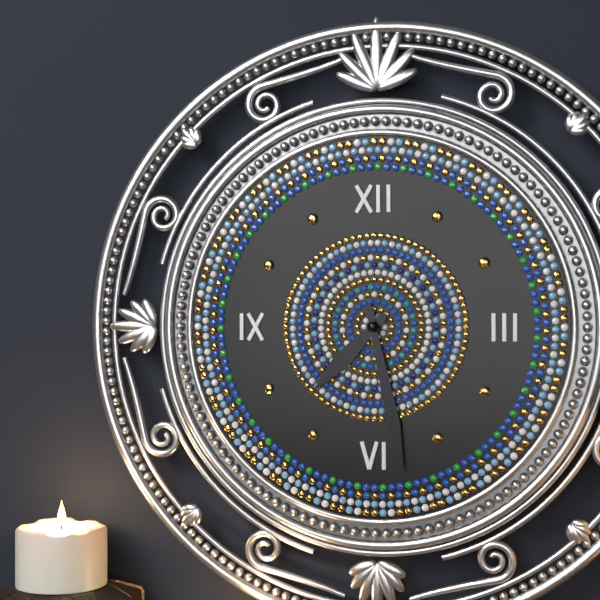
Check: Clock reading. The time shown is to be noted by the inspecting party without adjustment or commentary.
7:28
